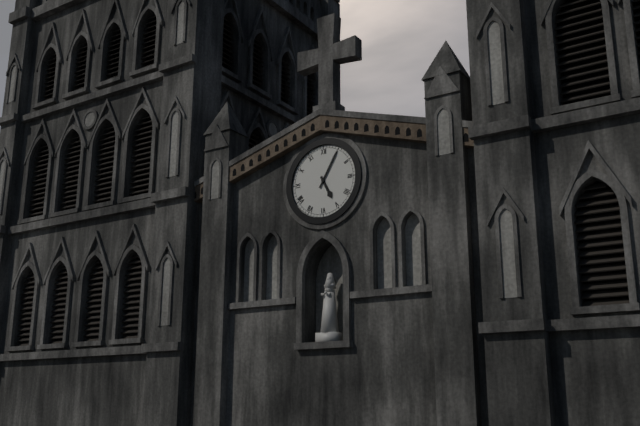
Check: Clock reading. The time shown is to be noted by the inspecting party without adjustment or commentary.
5:05
